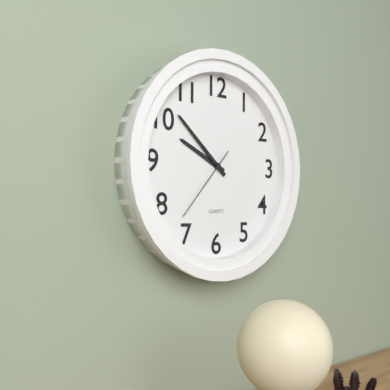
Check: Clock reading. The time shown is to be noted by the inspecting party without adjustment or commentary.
9:52:37
